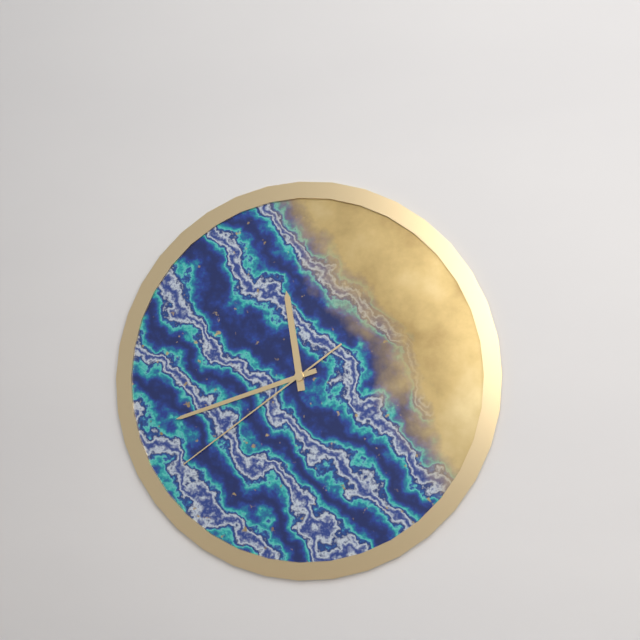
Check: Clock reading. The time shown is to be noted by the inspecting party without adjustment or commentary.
11:42:39
